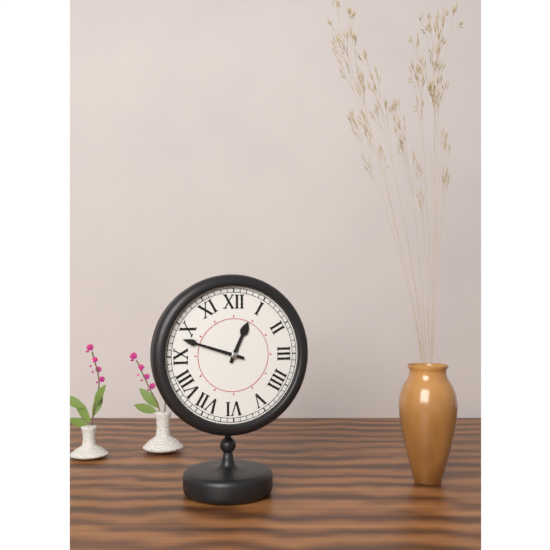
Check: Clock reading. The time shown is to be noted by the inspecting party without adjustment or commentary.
12:48
